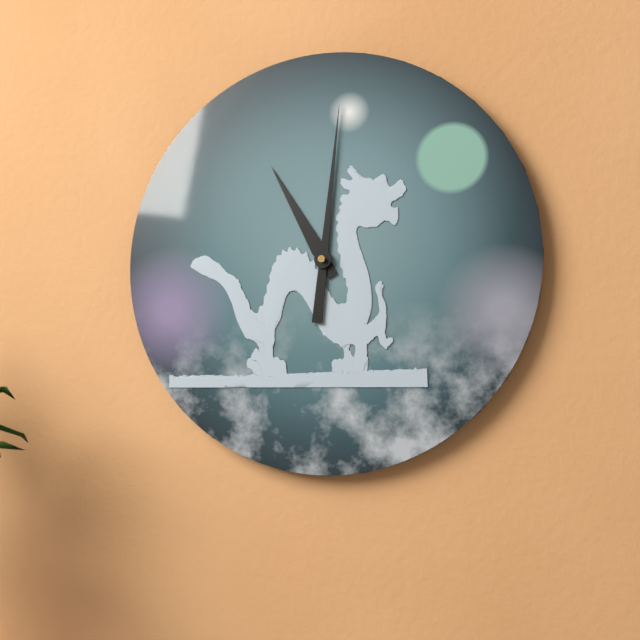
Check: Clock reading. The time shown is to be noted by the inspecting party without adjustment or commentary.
11:01
